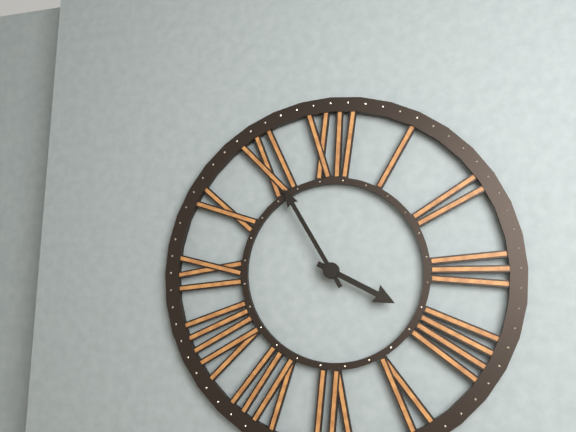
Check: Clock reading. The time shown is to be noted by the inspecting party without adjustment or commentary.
3:55
